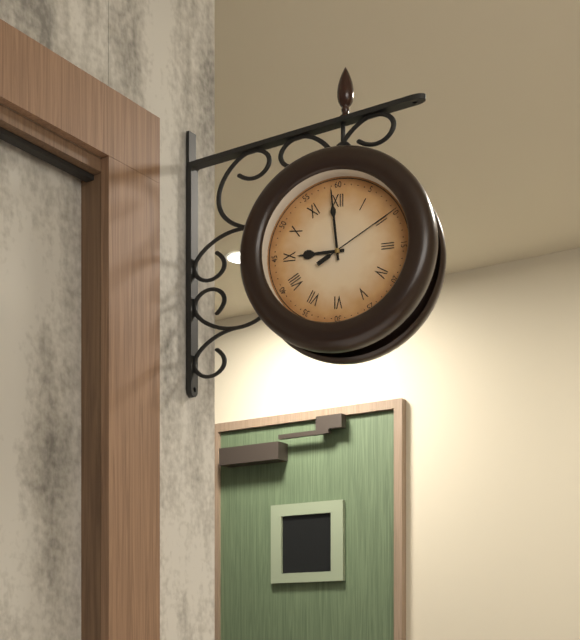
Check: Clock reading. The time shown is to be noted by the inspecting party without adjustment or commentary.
8:59:10
